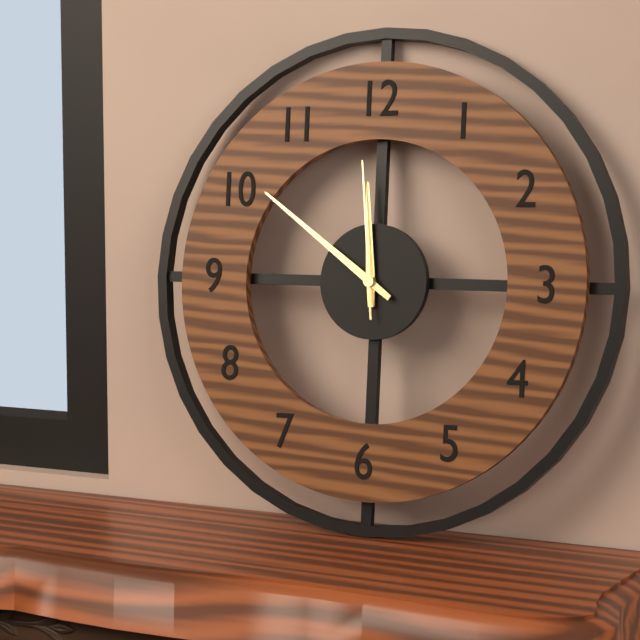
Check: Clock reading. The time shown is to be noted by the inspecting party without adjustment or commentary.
11:51:59
